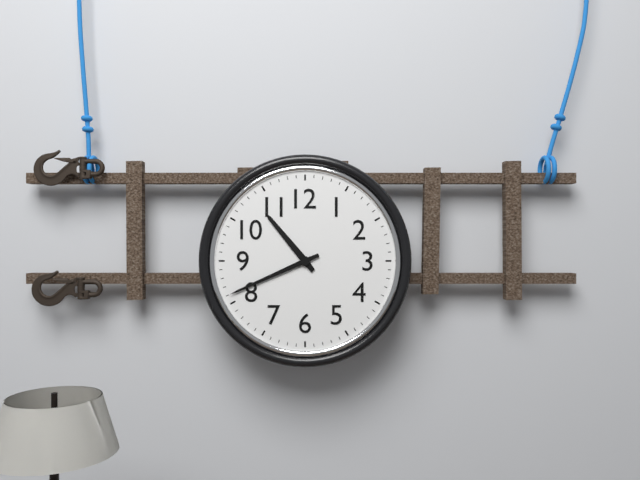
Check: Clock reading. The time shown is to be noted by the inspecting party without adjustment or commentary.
10:41
